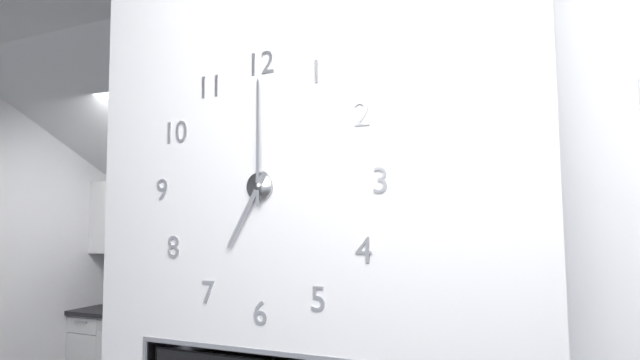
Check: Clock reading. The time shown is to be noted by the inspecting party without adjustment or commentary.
7:00
